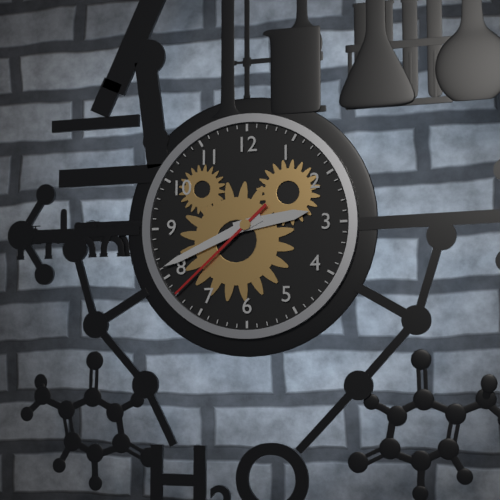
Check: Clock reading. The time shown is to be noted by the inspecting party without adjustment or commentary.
2:41:38
